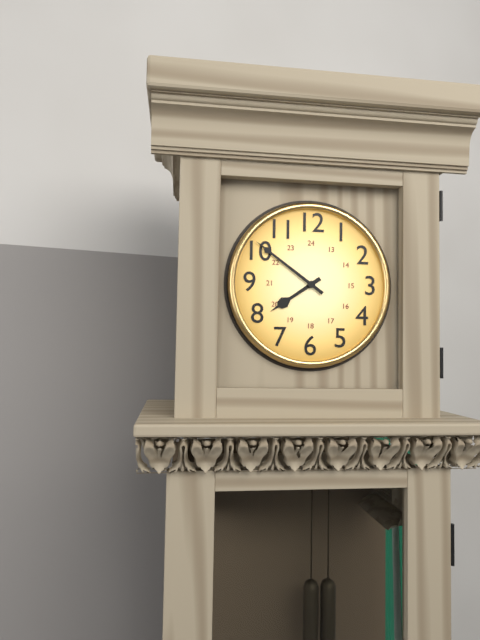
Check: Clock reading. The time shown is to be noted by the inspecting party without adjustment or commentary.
7:51
